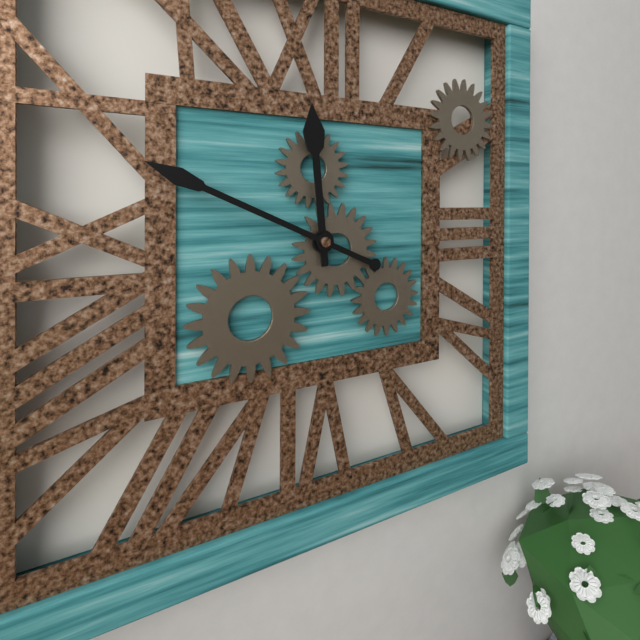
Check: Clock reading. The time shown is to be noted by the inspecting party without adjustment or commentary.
11:49
